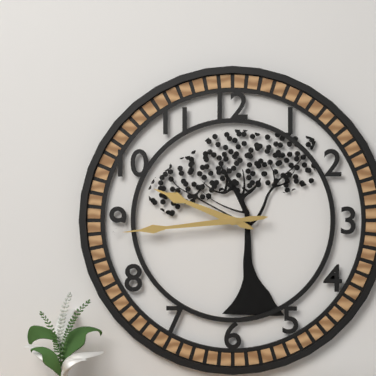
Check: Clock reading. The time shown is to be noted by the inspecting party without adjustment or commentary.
9:44
